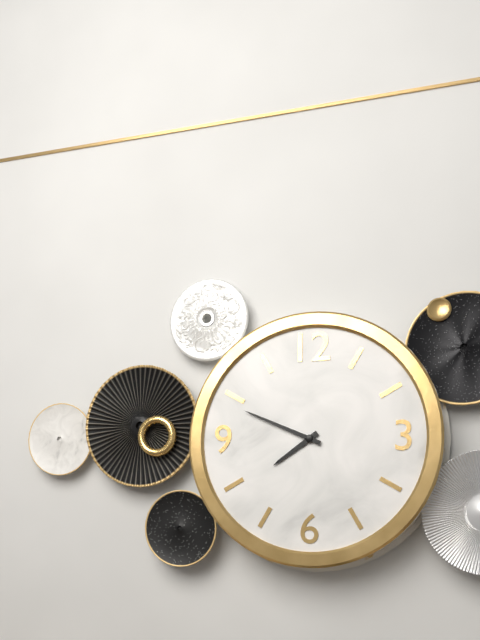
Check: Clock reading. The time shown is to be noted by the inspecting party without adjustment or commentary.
7:49
